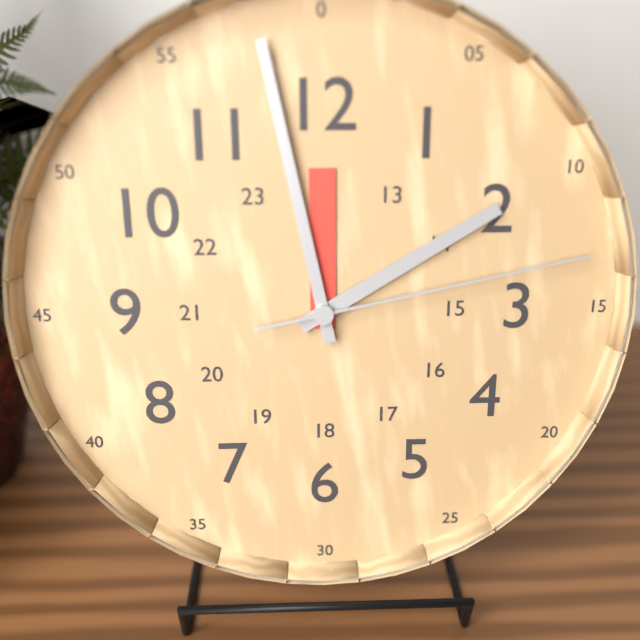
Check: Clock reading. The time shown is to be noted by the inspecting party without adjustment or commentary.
1:58:13
